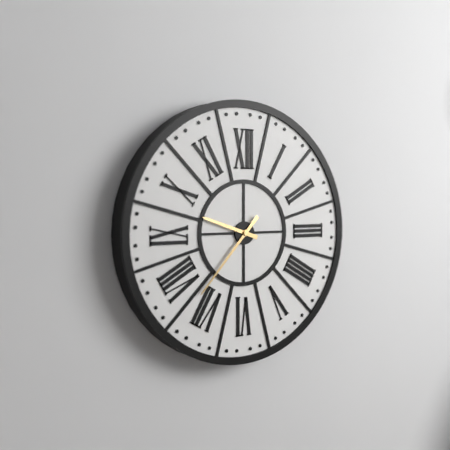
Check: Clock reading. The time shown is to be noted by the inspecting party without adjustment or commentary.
9:37
